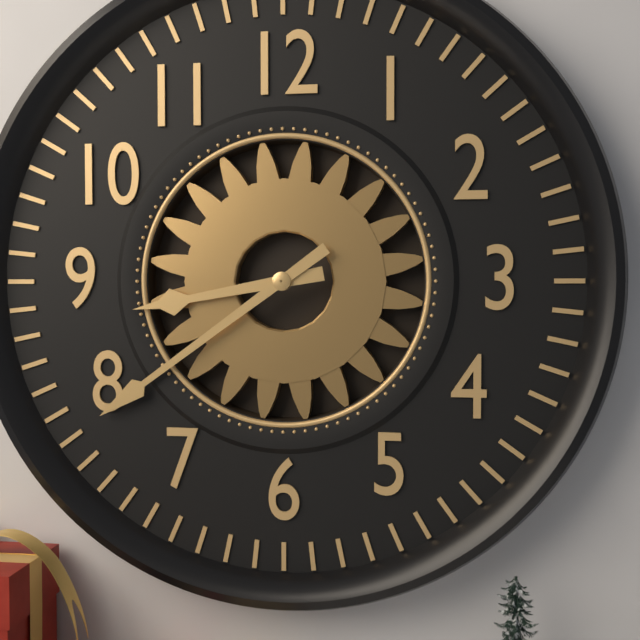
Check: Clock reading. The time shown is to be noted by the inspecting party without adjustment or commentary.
8:39
